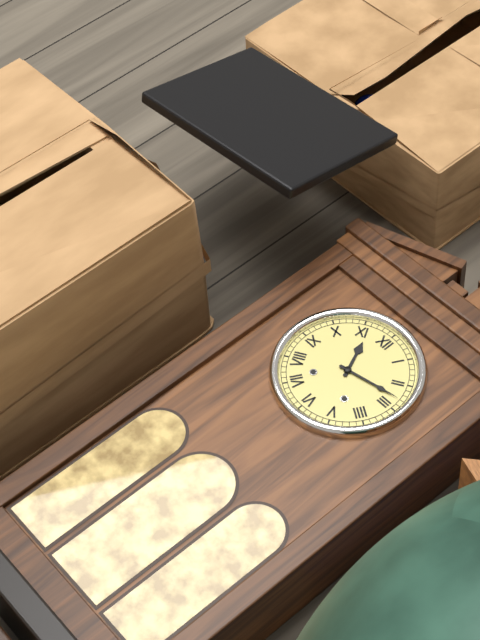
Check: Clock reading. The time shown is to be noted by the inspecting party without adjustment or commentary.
11:13
